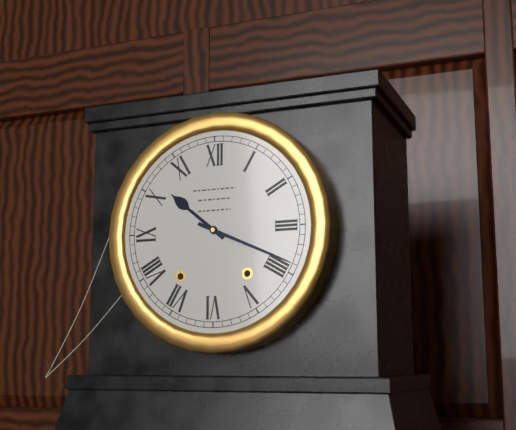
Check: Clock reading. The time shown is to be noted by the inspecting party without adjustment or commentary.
10:19
